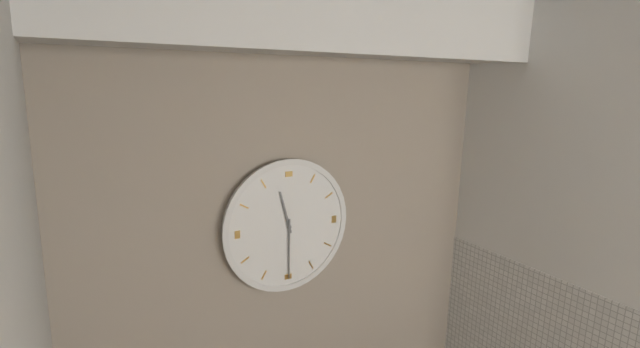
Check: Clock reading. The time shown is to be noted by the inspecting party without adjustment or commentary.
11:30
